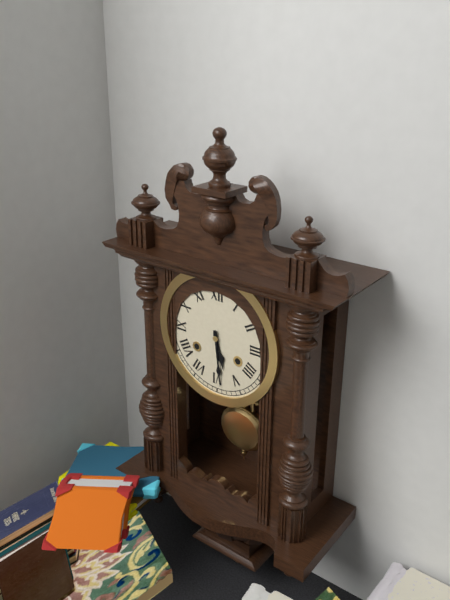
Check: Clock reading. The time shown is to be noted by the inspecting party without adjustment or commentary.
5:29
